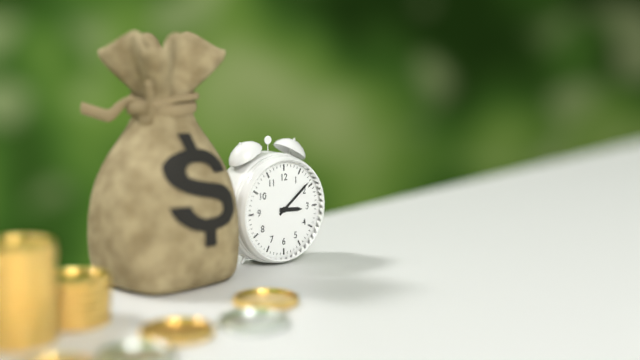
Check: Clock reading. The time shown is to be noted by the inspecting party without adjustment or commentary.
3:09
